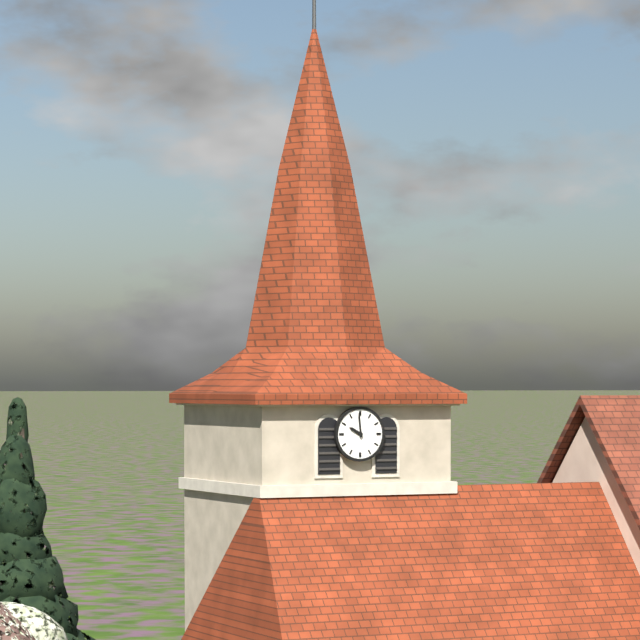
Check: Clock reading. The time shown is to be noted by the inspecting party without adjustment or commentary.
9:59
